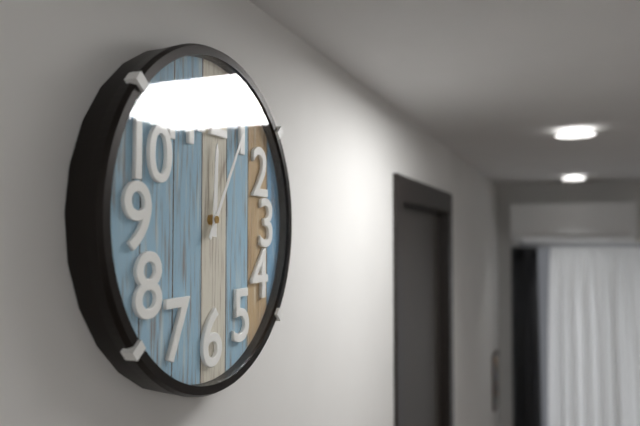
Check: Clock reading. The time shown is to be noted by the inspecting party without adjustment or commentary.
12:05
